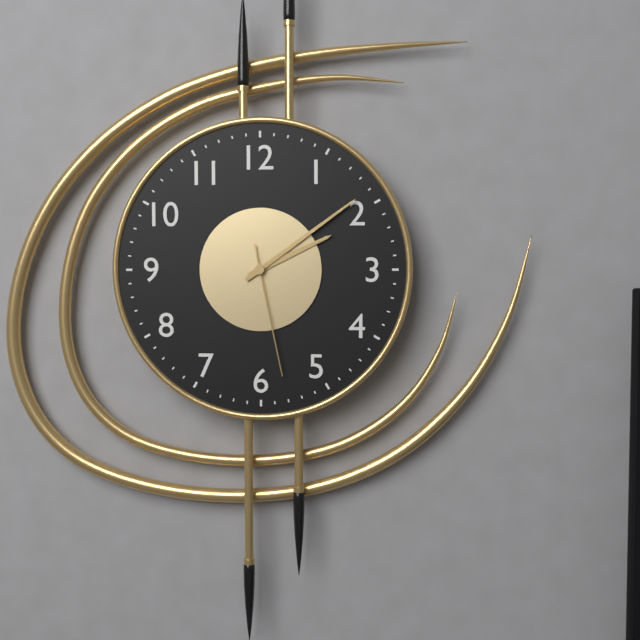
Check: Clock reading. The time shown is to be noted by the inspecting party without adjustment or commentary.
2:09:28
